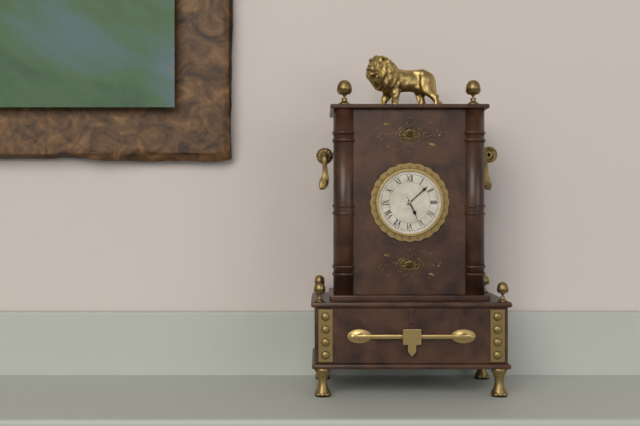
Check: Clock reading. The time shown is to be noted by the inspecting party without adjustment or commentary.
5:08
